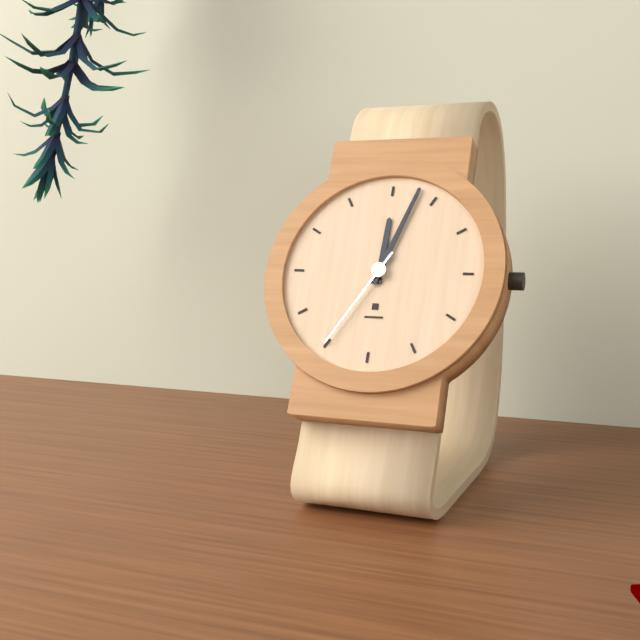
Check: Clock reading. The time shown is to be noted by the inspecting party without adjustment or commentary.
12:03:35
